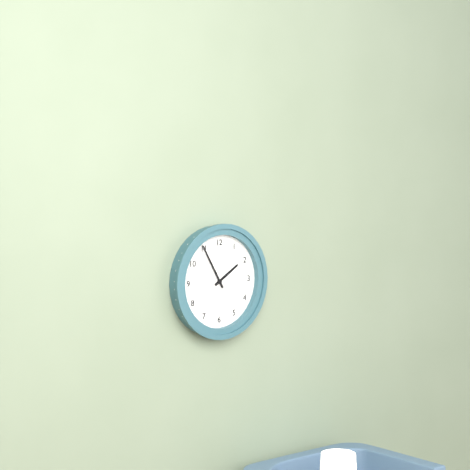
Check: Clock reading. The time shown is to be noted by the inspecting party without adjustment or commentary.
1:55
